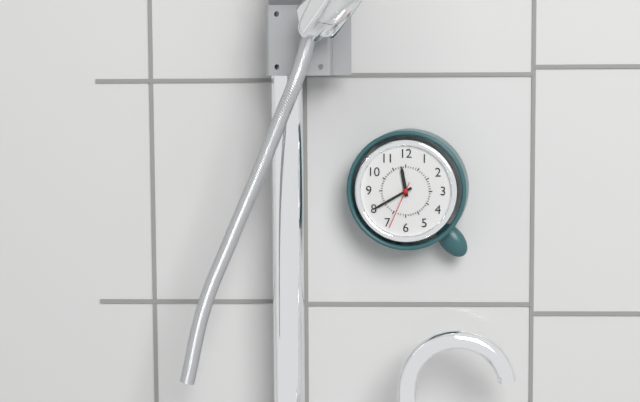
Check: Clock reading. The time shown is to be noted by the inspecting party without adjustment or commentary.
11:40:34
